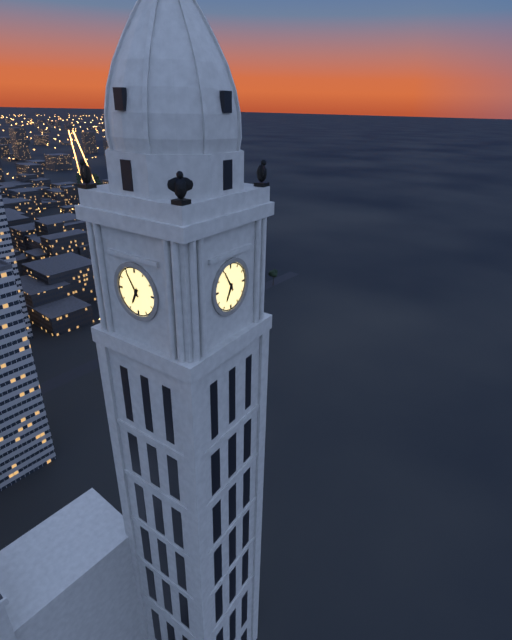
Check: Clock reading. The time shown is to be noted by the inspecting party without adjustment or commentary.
6:55
